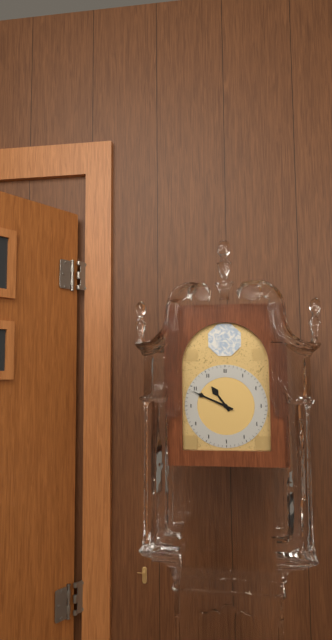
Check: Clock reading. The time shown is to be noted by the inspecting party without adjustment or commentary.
10:49
